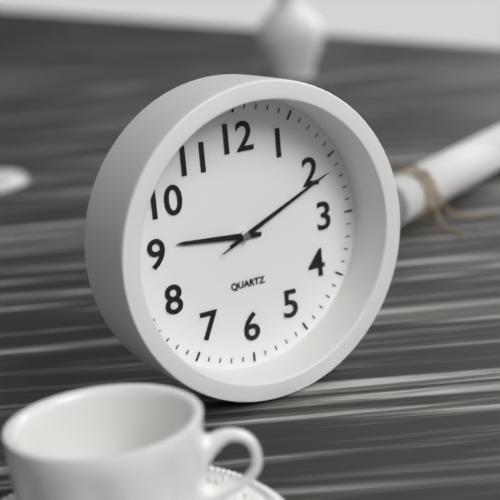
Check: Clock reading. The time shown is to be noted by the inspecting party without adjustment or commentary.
9:11:11
